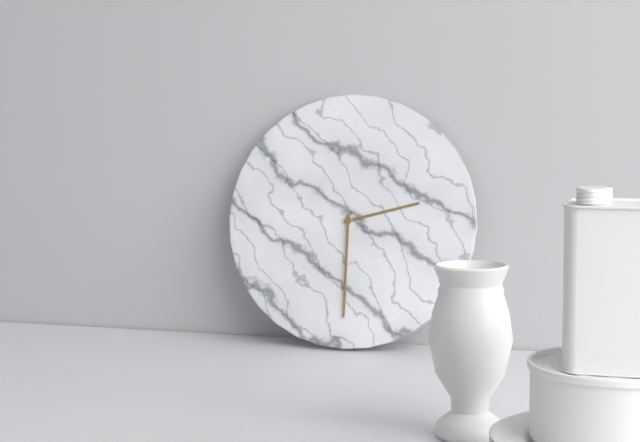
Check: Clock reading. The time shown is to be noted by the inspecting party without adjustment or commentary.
2:30
